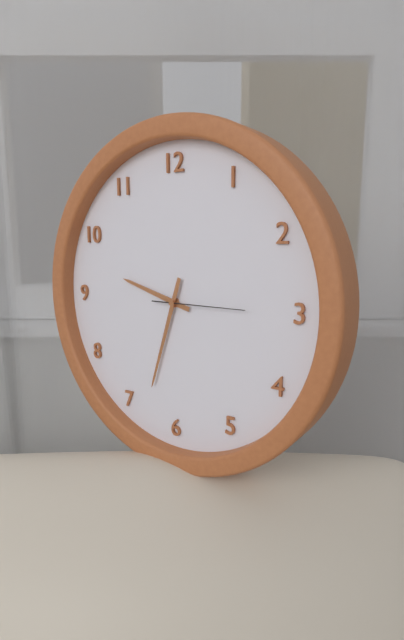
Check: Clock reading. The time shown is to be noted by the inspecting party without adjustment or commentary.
9:33:15
